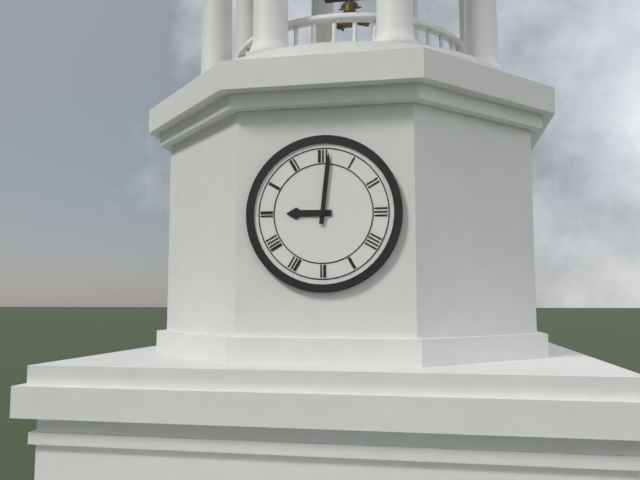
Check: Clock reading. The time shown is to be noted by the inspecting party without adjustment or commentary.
9:01
